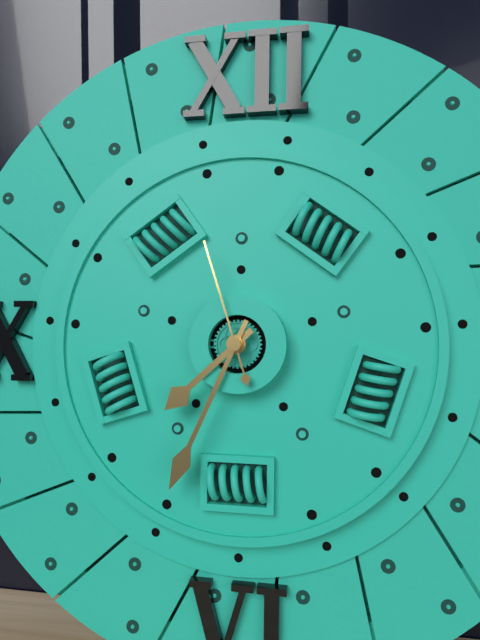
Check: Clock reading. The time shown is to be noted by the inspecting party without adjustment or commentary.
7:34:57
